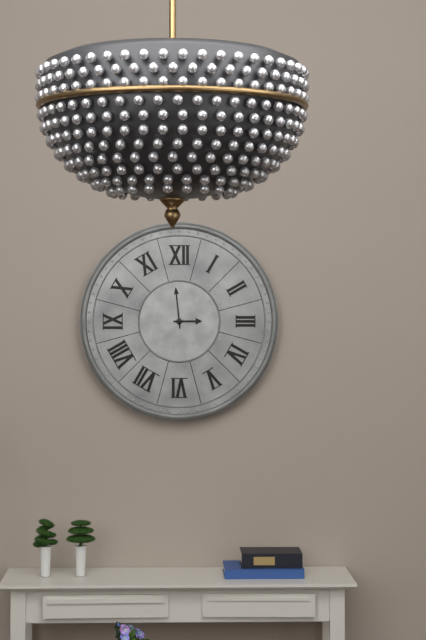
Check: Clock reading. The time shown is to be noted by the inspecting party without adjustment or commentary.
2:59
